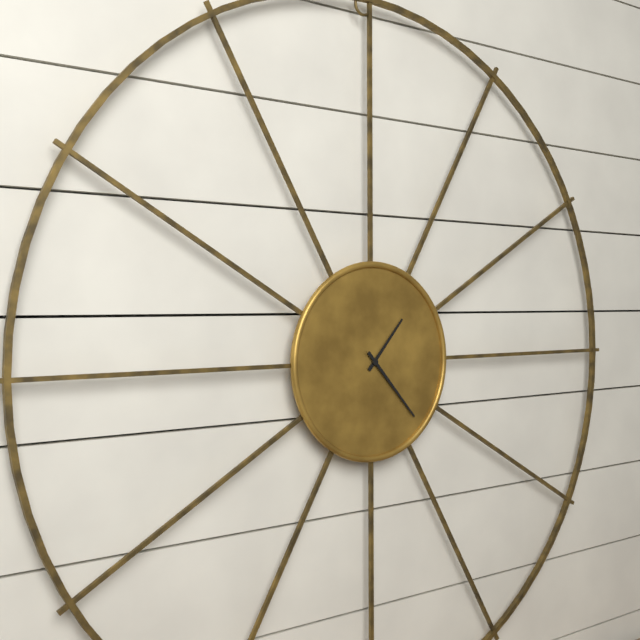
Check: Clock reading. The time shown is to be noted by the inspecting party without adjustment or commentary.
1:23
